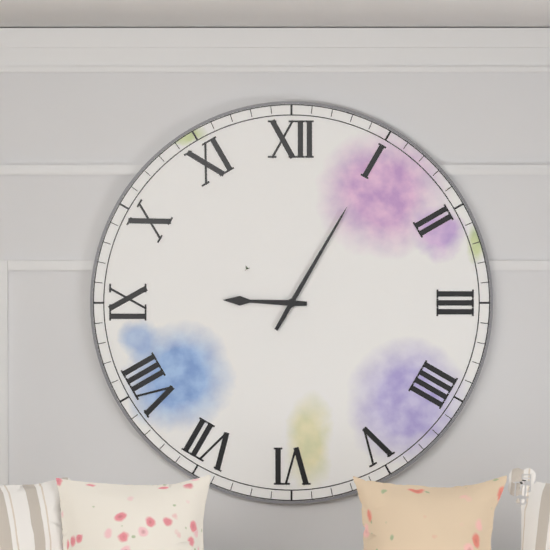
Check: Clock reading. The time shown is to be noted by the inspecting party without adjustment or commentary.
9:05
